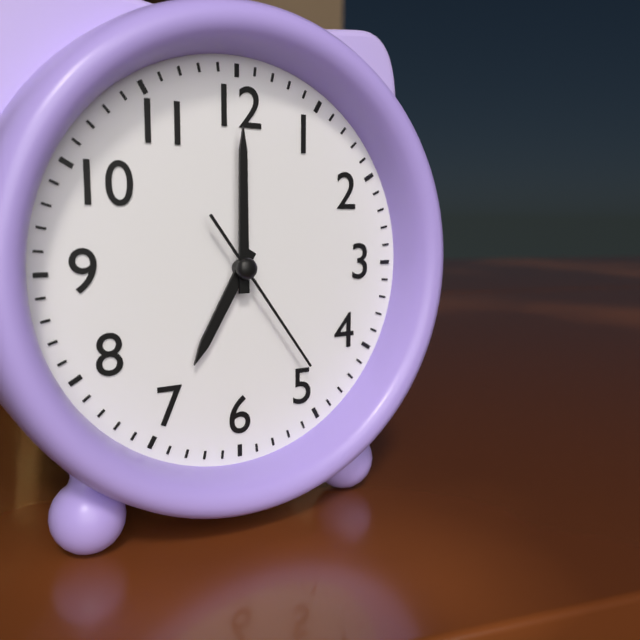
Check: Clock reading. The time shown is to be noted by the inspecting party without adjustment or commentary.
7:00:24
